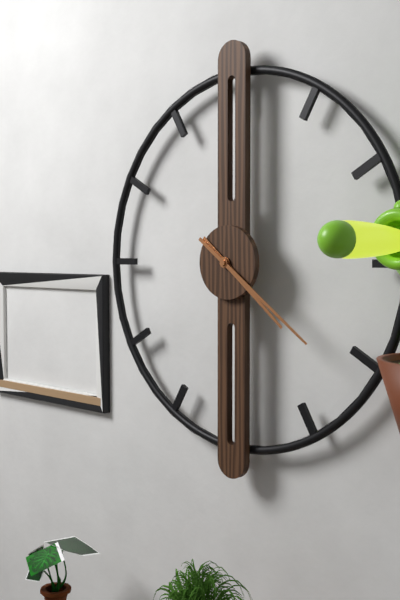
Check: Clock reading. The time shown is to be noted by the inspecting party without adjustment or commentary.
4:21
